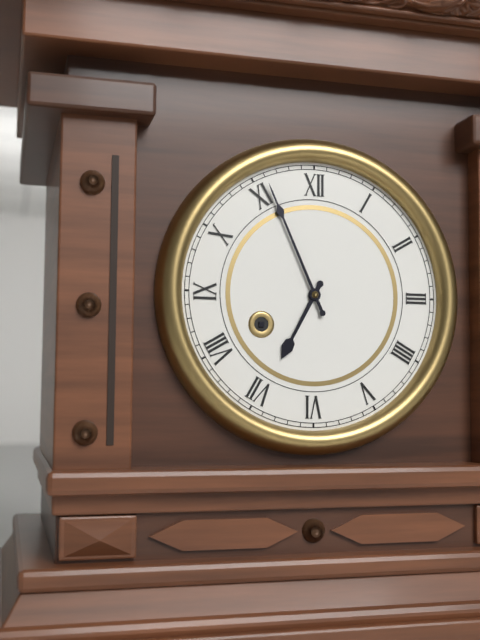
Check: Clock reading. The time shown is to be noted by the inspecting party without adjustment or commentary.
6:56
